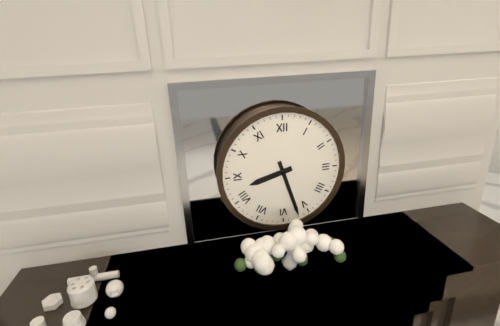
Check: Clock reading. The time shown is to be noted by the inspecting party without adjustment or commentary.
8:27
